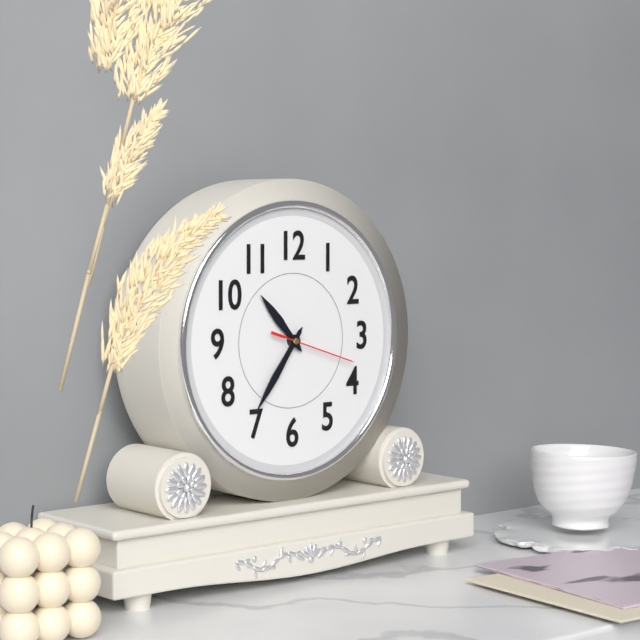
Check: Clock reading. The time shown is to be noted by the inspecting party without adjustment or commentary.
10:36:18
